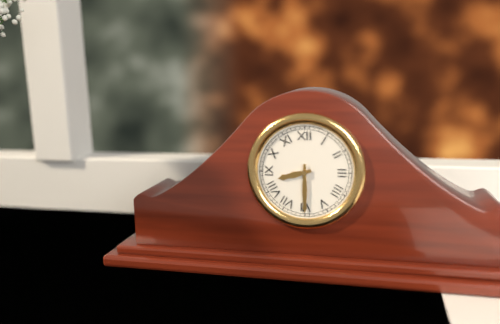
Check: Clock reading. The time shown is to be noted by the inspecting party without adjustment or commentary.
8:30
